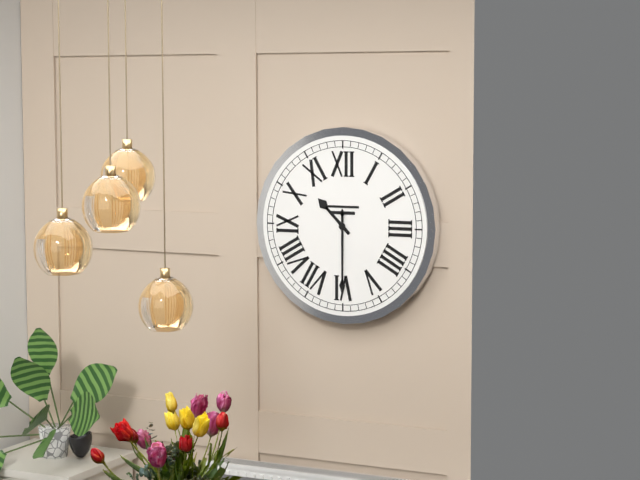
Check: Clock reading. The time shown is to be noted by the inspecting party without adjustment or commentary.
10:30
